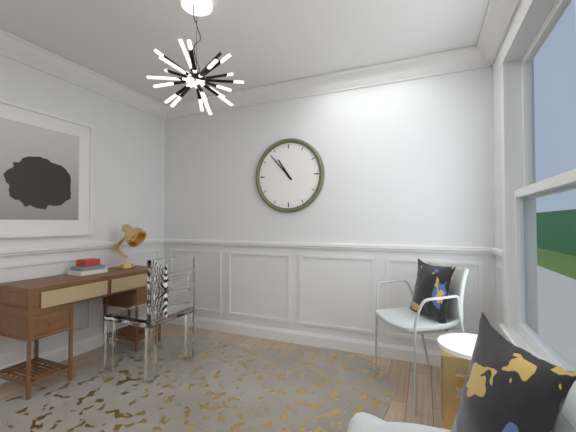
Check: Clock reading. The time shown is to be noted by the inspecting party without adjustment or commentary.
10:53
